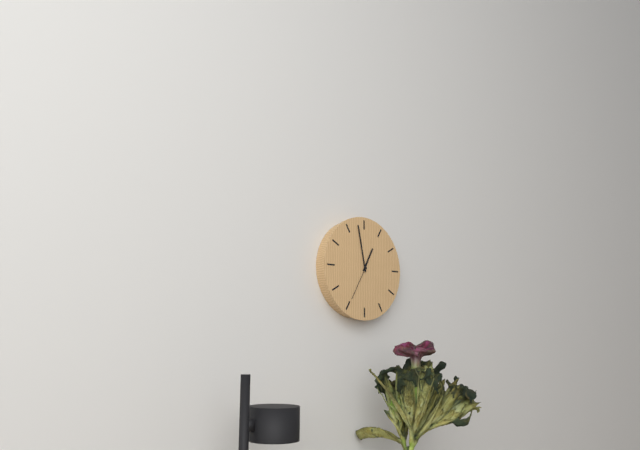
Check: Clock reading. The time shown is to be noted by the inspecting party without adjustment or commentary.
12:58
